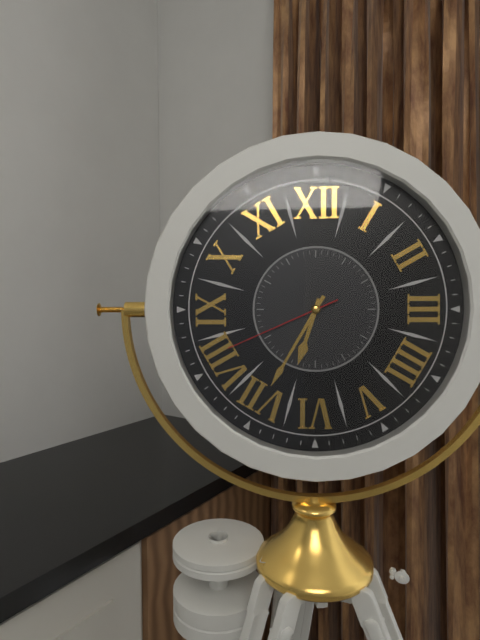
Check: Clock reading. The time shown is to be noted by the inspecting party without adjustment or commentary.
6:35:41
